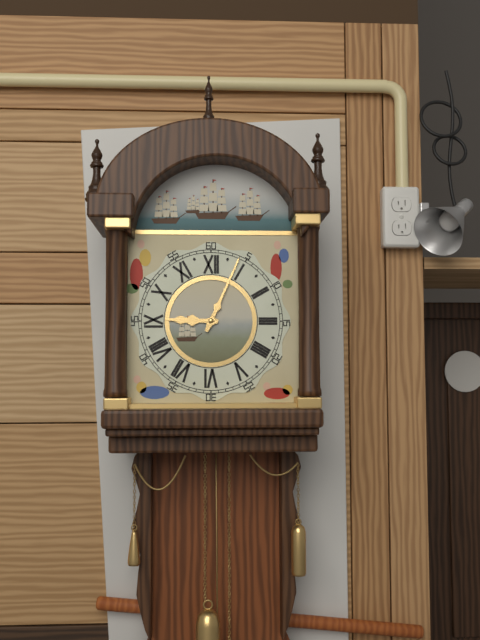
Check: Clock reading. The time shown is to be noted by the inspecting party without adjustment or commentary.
9:04
